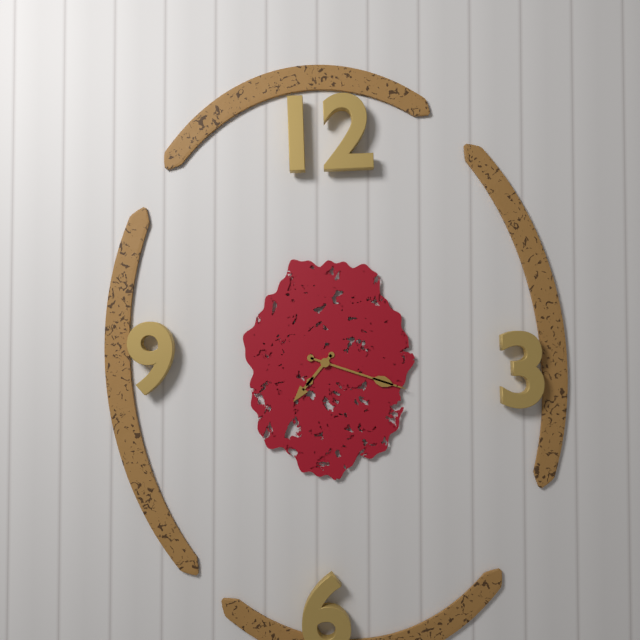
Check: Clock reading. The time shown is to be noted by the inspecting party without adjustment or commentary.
7:18
